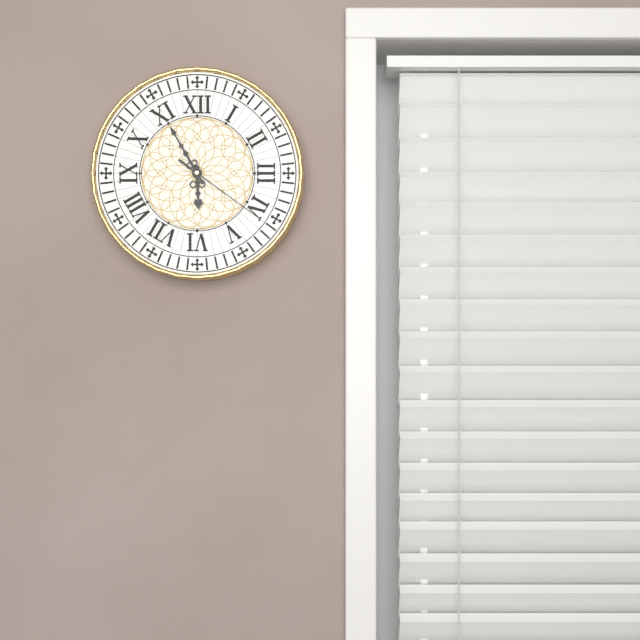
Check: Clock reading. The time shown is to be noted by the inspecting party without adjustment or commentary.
5:55:21
